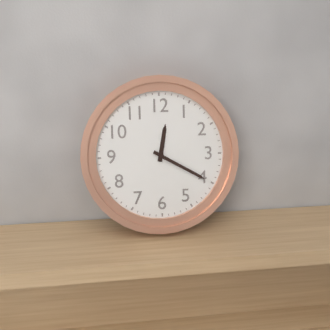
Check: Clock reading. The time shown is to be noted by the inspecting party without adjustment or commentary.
12:20
